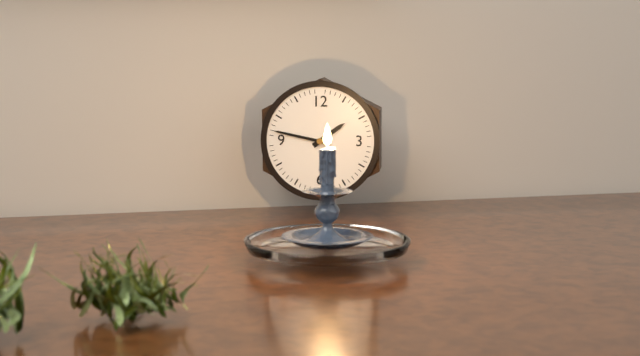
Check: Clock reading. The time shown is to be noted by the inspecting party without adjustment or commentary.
1:47
